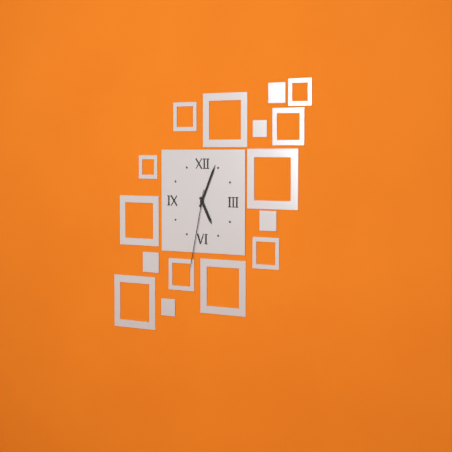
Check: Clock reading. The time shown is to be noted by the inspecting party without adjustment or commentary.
5:04:32
